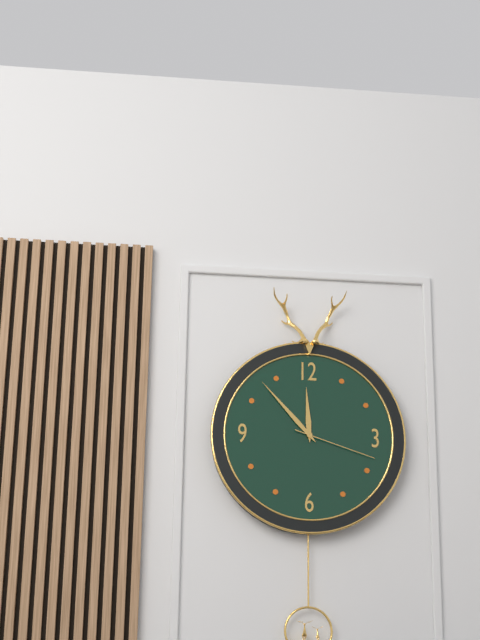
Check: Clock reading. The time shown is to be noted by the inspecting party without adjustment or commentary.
11:53:18
